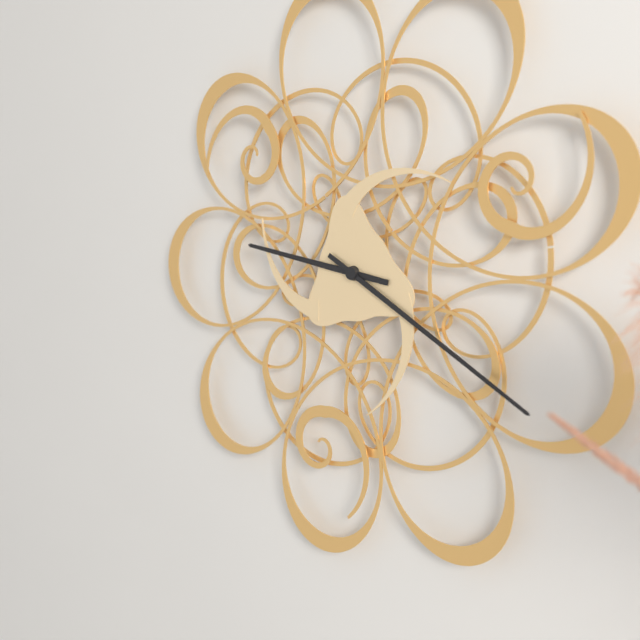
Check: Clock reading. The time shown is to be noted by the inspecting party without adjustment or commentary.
9:20
